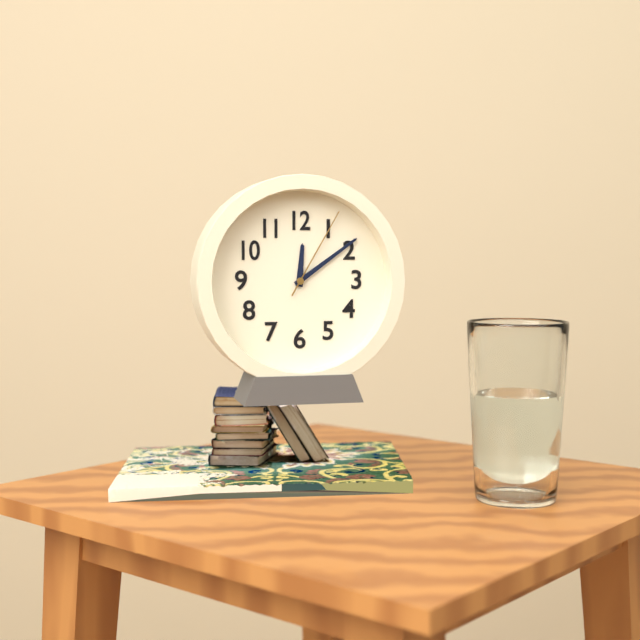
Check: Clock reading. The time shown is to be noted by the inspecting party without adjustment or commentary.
12:09:05
